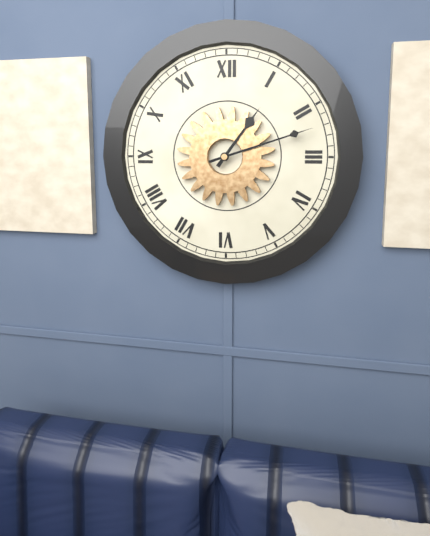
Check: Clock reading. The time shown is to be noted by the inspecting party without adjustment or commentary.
1:12
